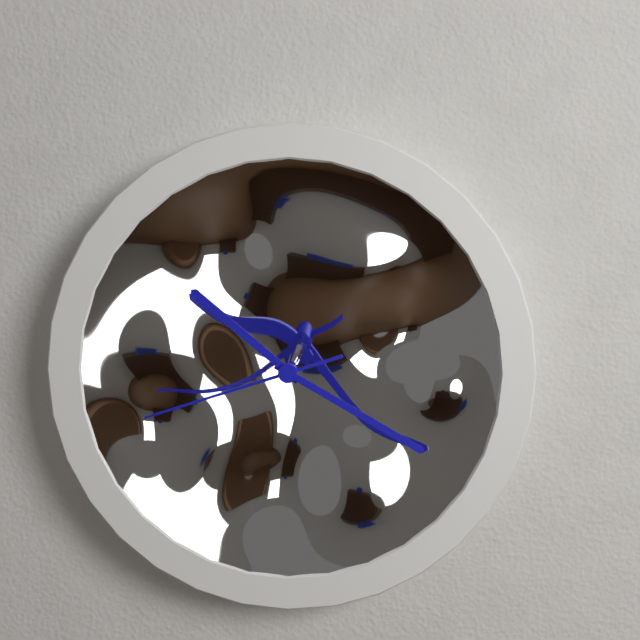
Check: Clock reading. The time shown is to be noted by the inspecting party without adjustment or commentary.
10:20:42
